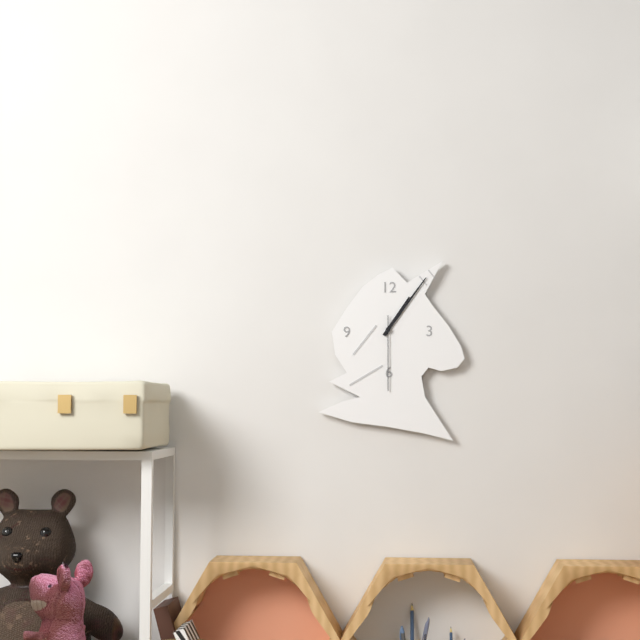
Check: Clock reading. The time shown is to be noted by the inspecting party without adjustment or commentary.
1:06:30
